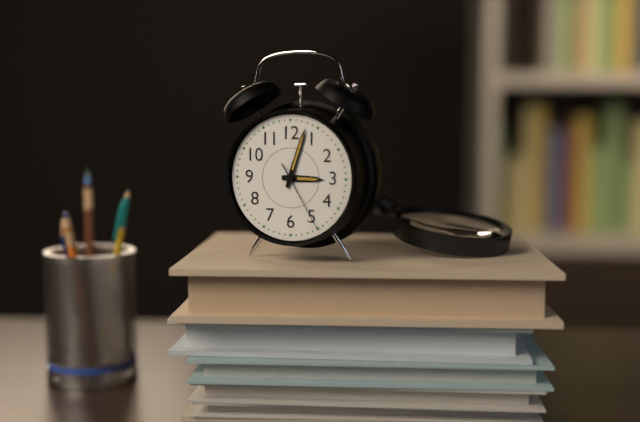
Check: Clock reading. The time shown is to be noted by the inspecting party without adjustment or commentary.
3:03:25
